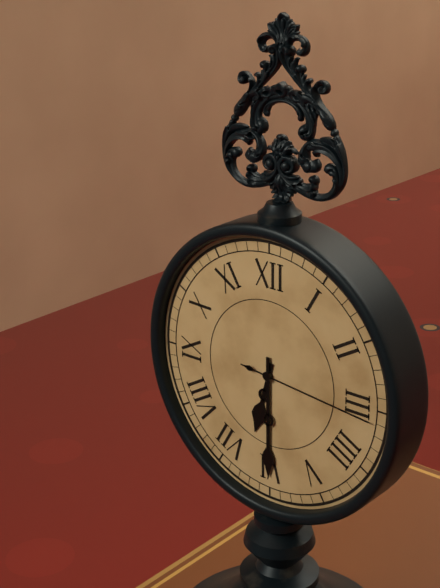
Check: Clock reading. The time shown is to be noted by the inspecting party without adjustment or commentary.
6:30:16
